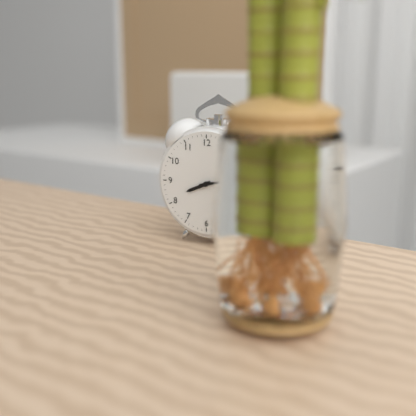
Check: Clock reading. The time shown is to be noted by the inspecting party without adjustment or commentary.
8:13
